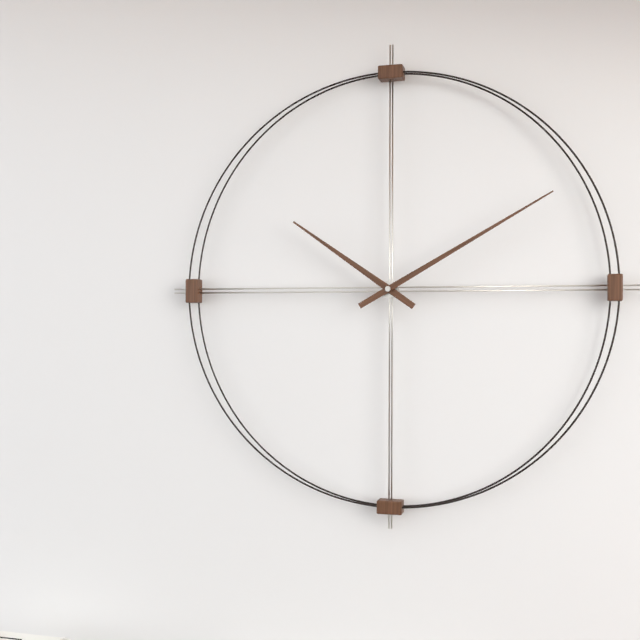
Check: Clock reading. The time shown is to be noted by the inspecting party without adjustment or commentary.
10:10
